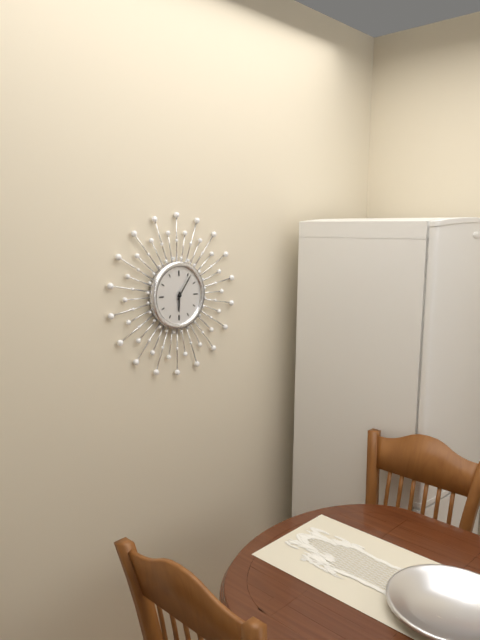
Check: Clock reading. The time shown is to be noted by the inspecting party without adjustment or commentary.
6:06
